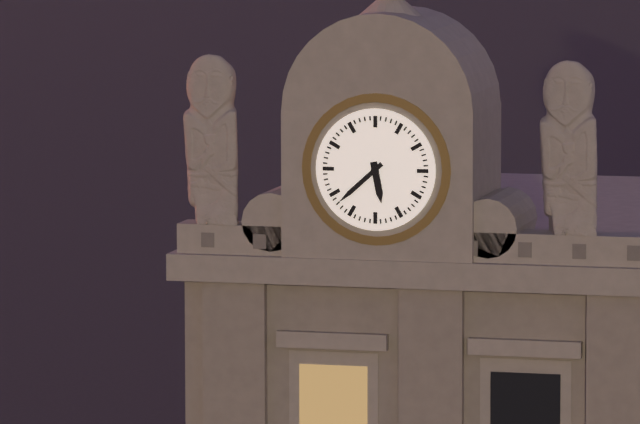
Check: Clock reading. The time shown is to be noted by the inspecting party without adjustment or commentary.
5:38
